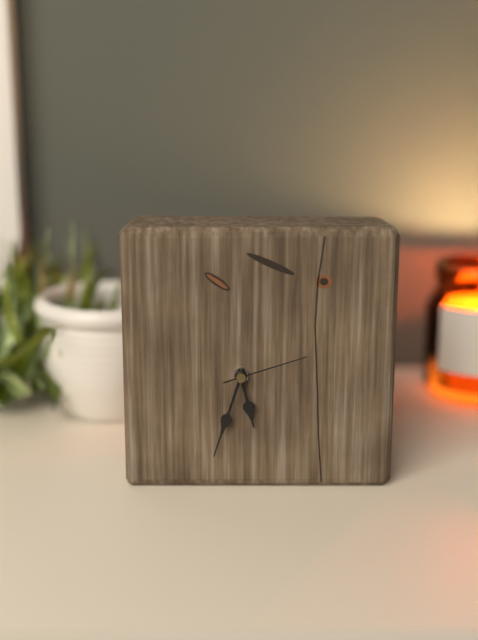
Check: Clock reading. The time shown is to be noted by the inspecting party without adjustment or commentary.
5:33:12
